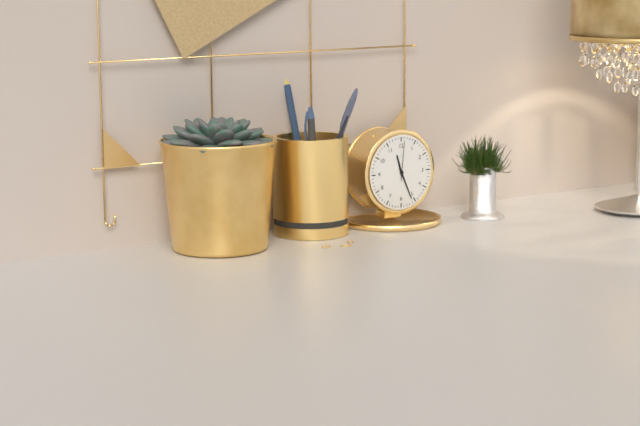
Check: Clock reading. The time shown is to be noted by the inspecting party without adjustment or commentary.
11:26
